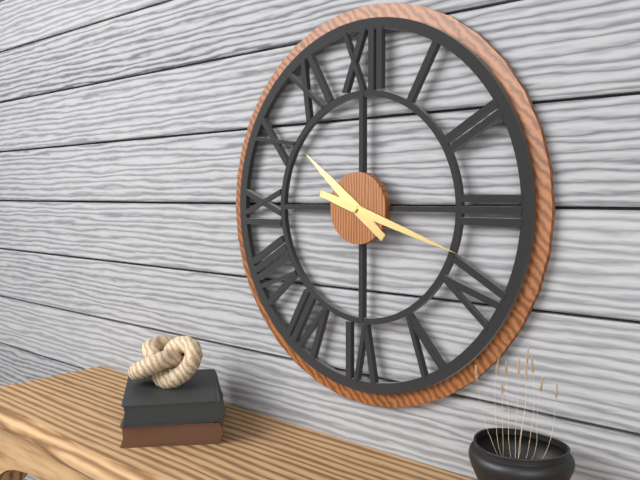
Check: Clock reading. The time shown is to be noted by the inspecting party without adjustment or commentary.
10:18
